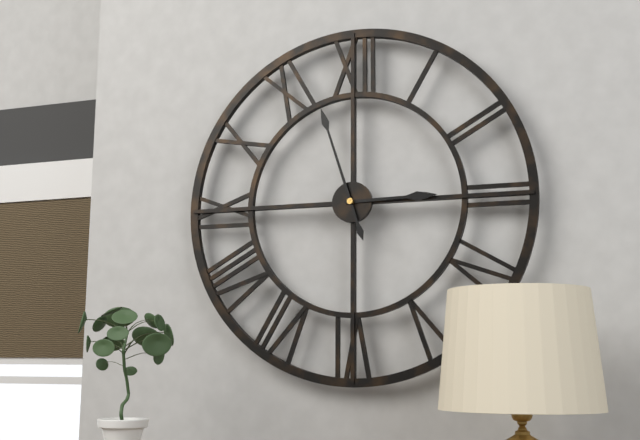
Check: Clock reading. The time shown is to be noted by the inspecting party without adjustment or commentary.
2:57
